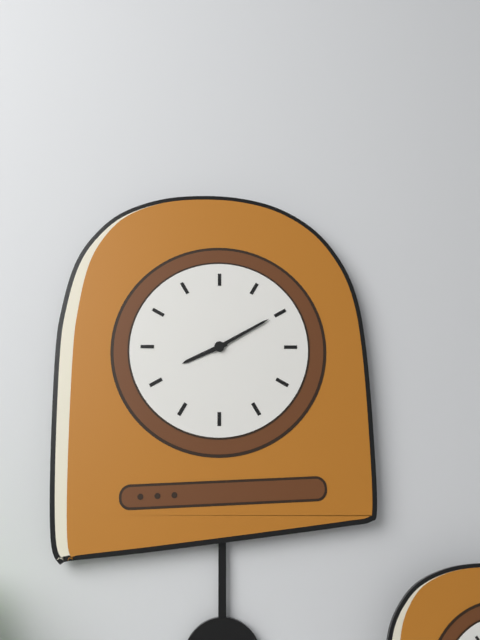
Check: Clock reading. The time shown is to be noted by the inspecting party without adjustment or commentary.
8:10
